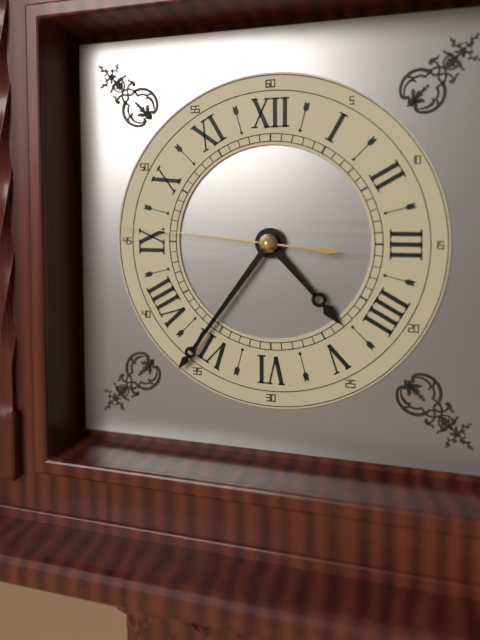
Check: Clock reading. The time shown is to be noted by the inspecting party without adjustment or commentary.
4:36:46
